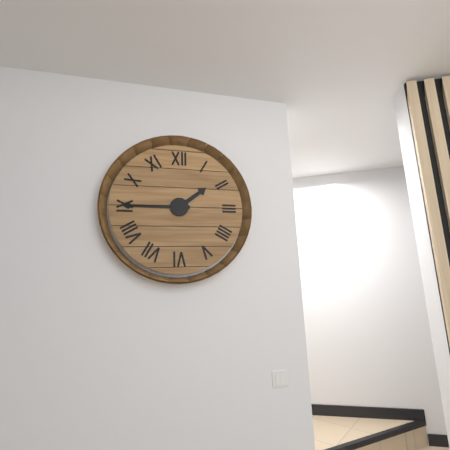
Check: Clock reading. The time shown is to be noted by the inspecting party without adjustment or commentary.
1:45
